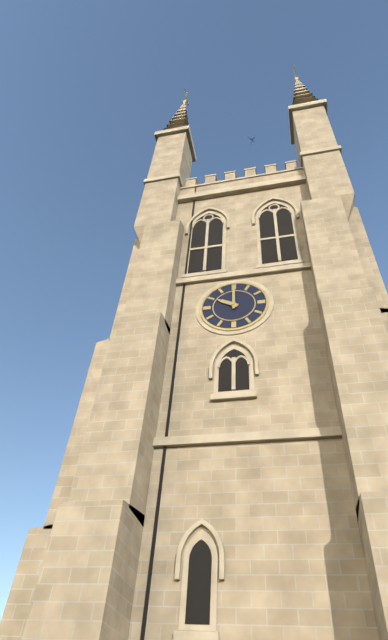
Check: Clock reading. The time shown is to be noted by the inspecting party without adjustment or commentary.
10:00
